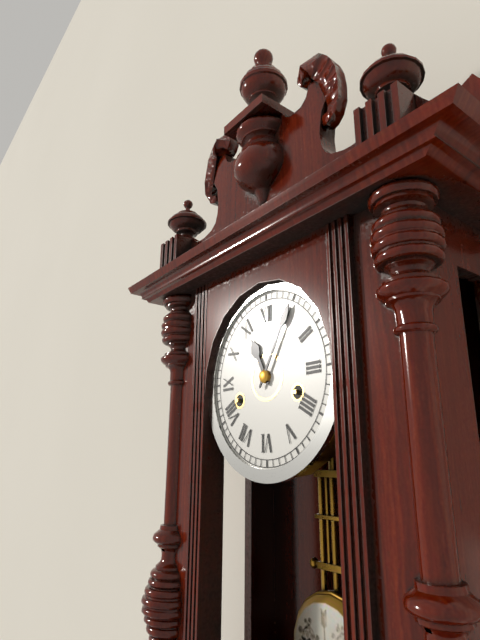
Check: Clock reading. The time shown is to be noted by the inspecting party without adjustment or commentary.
11:05
